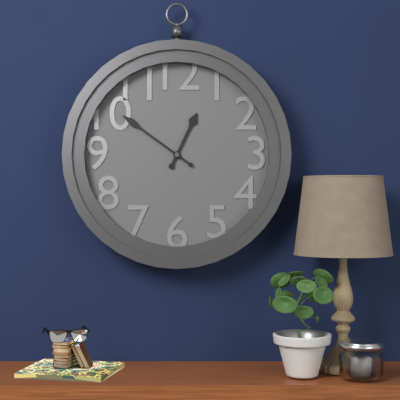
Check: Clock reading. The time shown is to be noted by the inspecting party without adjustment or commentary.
12:51
